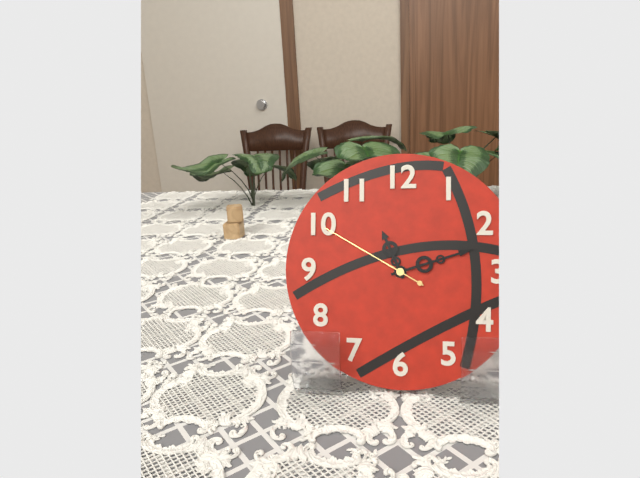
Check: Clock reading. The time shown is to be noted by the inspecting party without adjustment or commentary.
11:12:50
